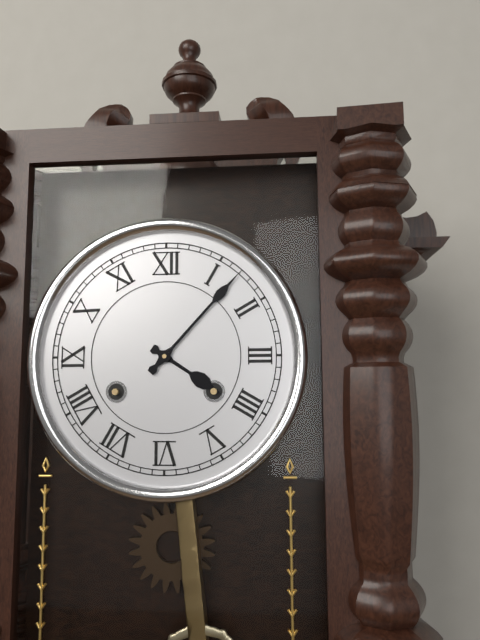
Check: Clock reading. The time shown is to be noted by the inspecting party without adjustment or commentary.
4:07
